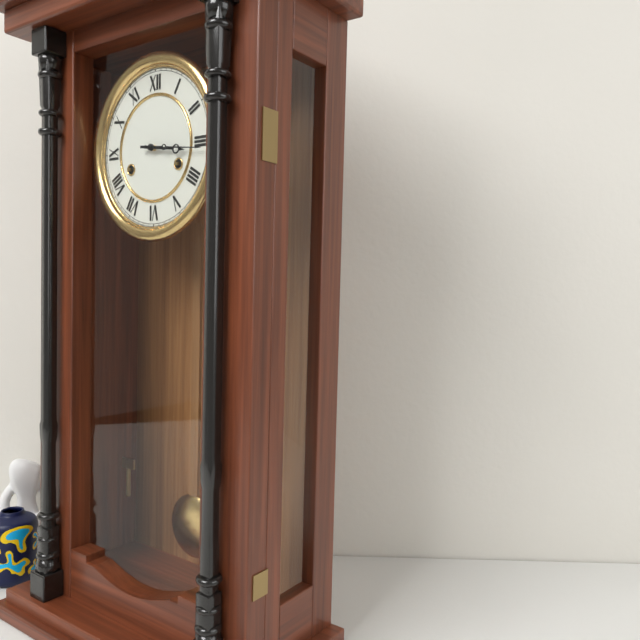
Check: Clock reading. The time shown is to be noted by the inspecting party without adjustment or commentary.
3:16
